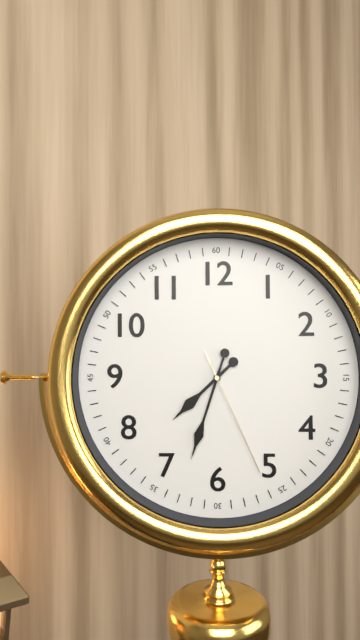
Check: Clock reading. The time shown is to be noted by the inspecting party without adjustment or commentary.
7:33:26
